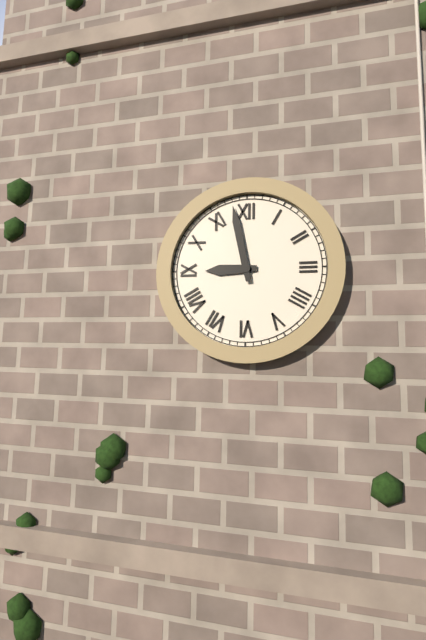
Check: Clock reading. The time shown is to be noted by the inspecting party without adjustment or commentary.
8:58
